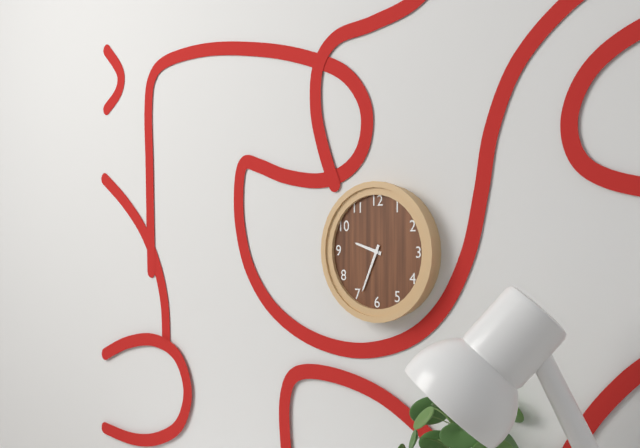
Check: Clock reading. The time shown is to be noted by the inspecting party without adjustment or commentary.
9:34
